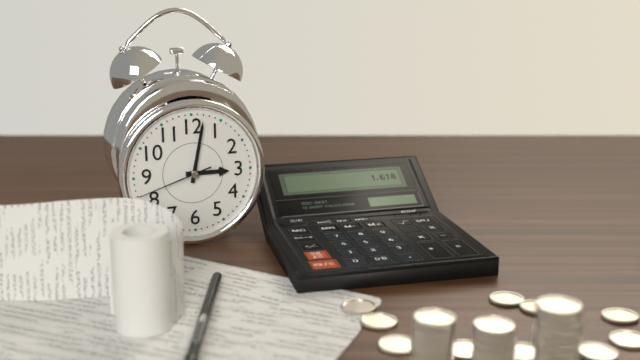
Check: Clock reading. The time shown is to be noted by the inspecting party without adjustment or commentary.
3:02:42
